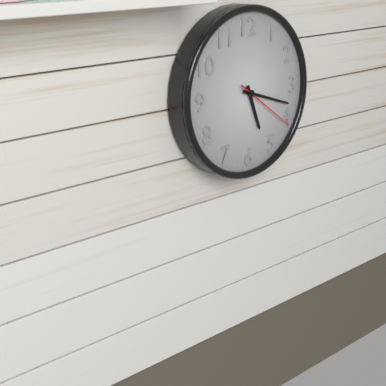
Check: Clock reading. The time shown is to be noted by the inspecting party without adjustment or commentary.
5:18:21
